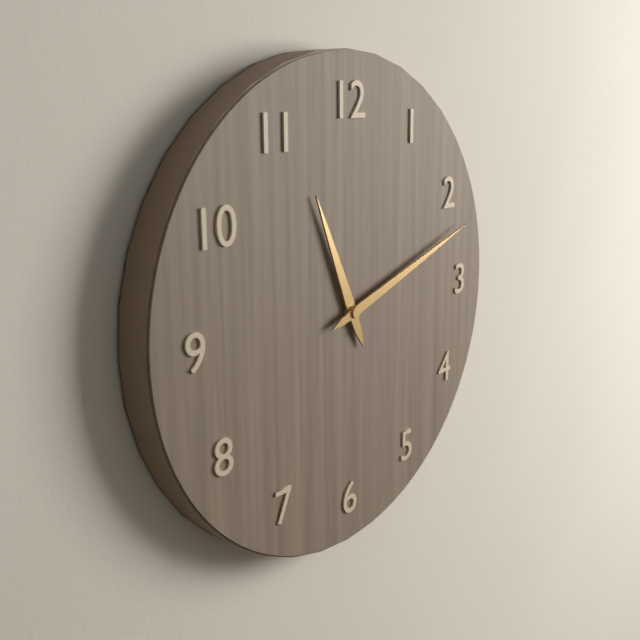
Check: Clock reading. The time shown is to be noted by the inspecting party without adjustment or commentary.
11:12
